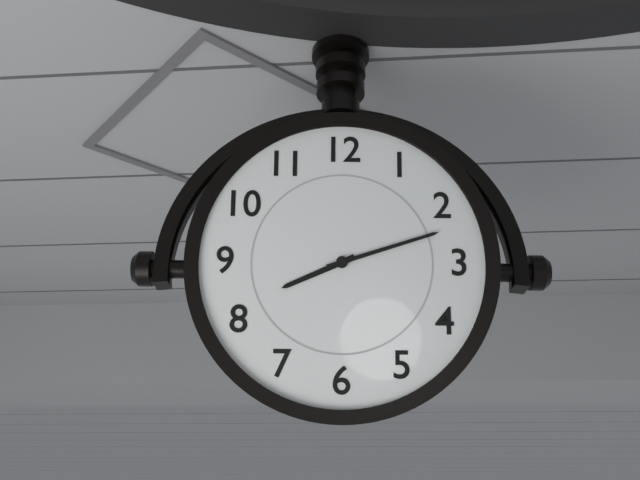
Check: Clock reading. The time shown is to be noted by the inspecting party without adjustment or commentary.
8:12
